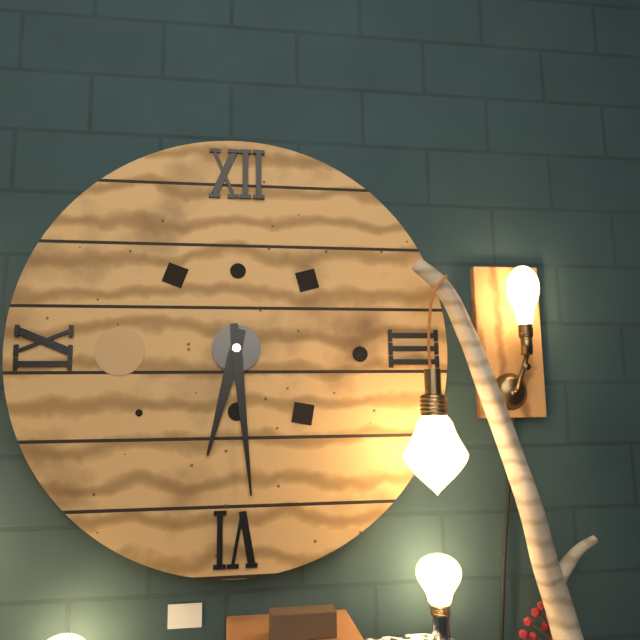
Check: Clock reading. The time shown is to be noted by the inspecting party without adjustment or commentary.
6:29
